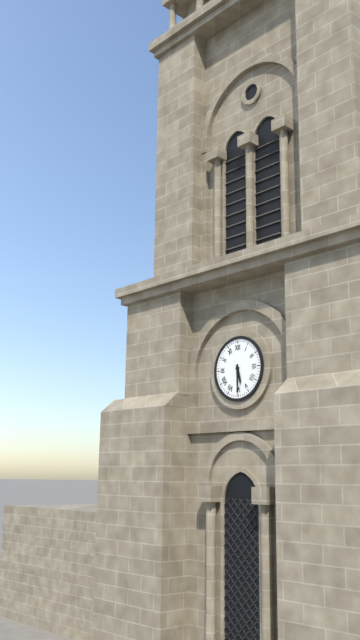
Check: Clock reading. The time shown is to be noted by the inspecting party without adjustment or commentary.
5:30
